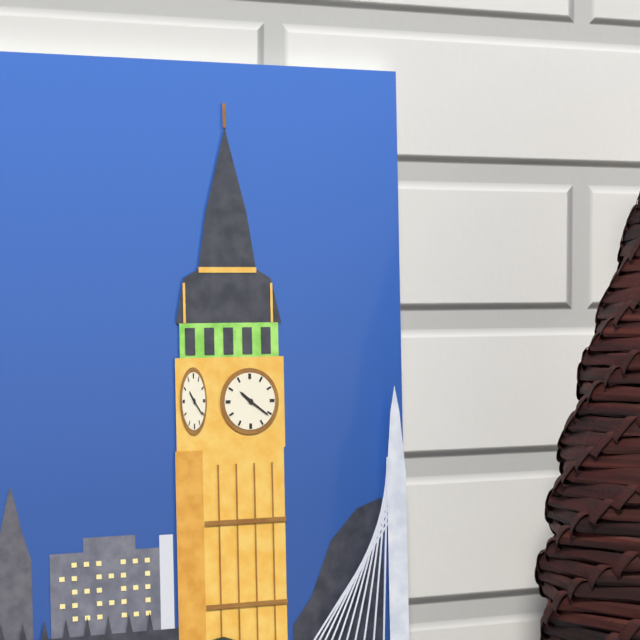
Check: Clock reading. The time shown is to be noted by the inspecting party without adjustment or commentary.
10:21
